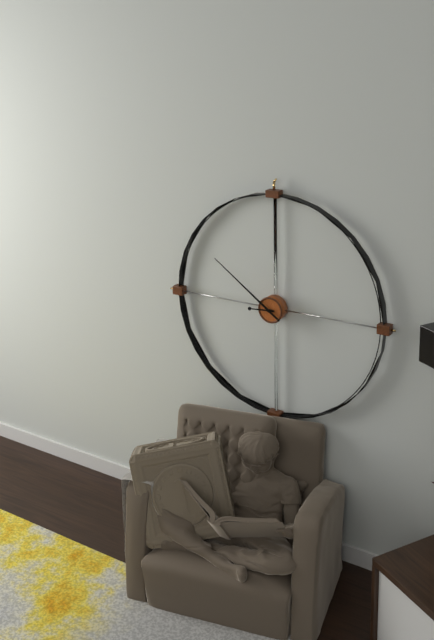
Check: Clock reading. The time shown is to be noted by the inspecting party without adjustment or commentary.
8:51
